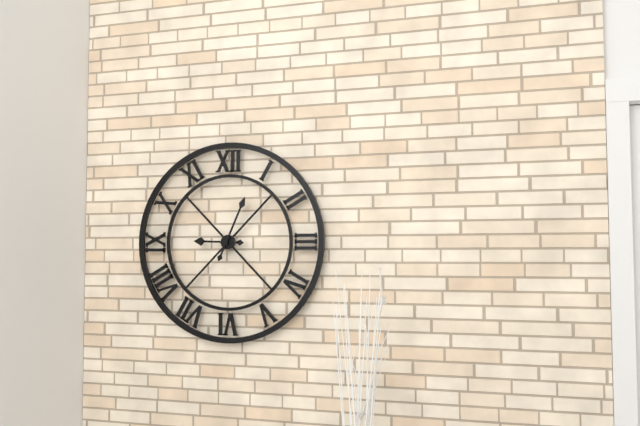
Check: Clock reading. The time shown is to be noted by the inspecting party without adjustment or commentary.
9:04
